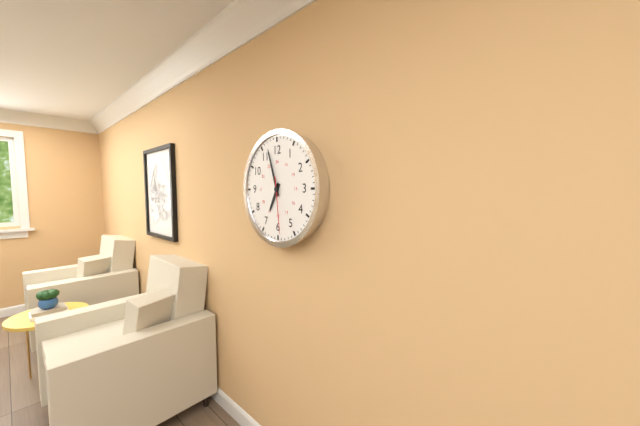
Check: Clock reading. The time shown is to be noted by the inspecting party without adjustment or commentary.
6:57:29
